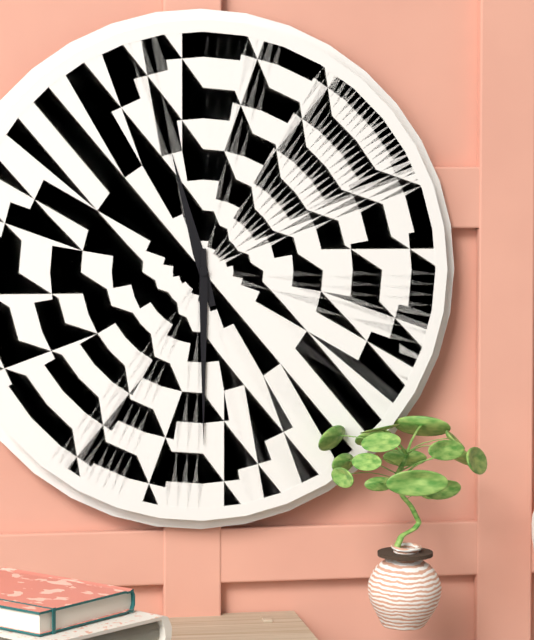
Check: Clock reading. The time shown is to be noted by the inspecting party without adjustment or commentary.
11:30
